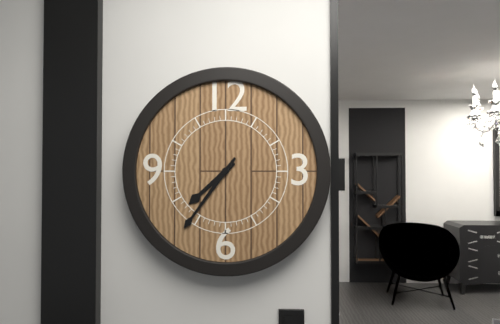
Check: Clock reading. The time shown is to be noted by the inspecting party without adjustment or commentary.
7:36
